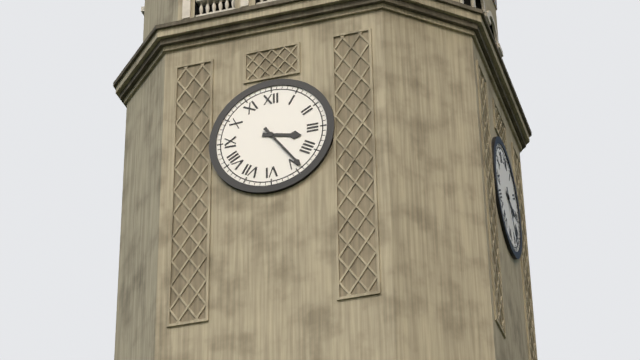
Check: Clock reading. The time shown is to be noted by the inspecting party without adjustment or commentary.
3:24
